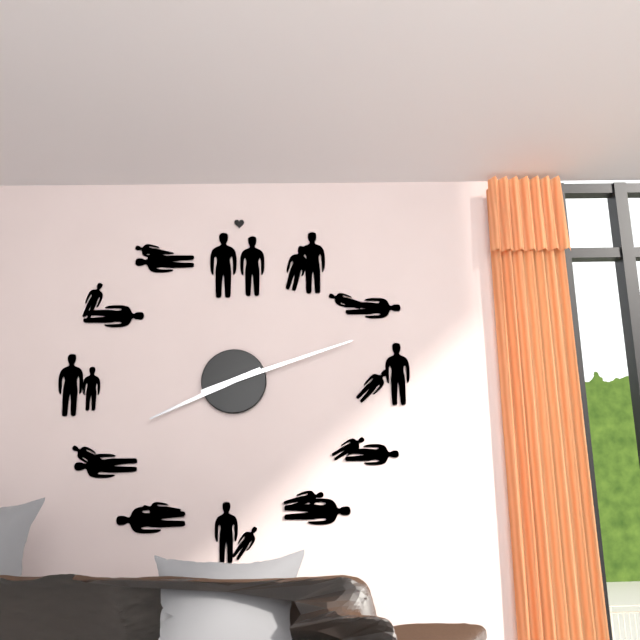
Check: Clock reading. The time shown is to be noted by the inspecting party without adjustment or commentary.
8:12
